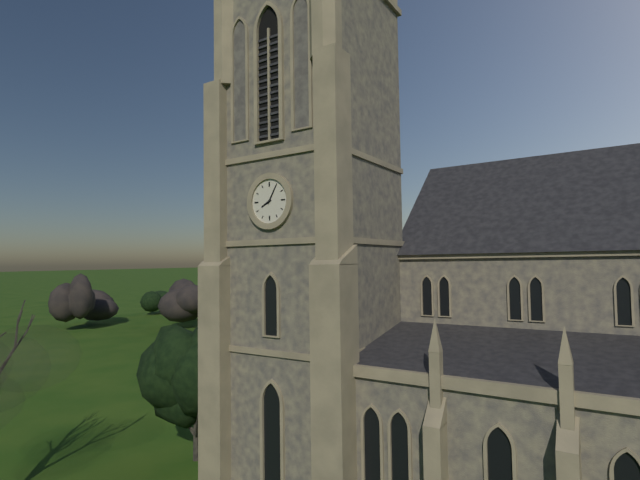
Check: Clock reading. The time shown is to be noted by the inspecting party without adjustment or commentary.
8:05
